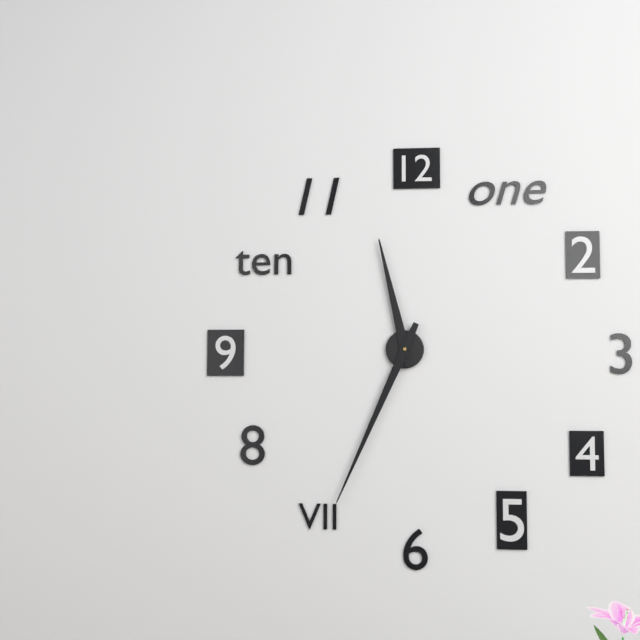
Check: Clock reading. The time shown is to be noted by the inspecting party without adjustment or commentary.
11:34
